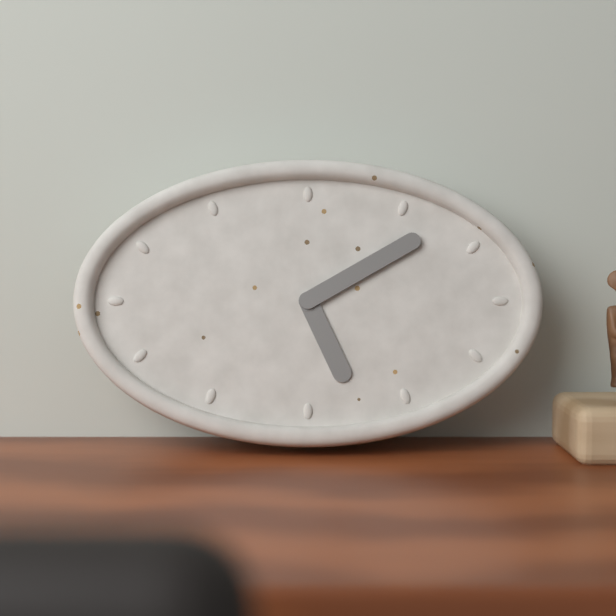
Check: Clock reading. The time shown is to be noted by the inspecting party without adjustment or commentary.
5:10
